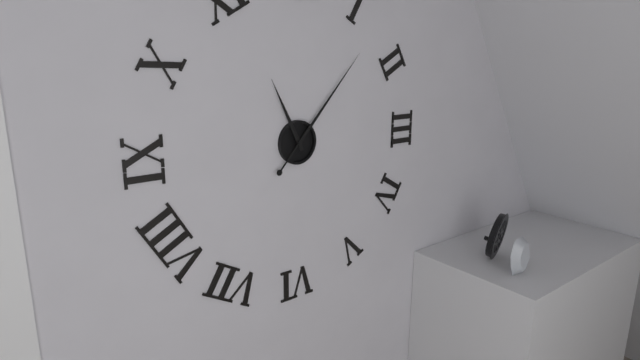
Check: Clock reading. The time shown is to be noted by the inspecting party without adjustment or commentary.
11:07
